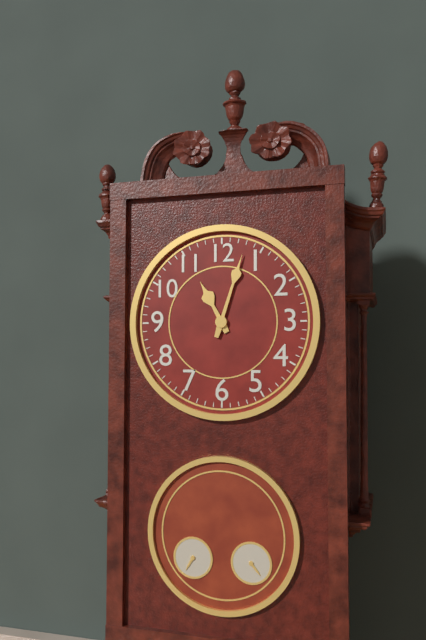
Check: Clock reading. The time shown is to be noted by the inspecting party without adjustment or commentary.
11:03
